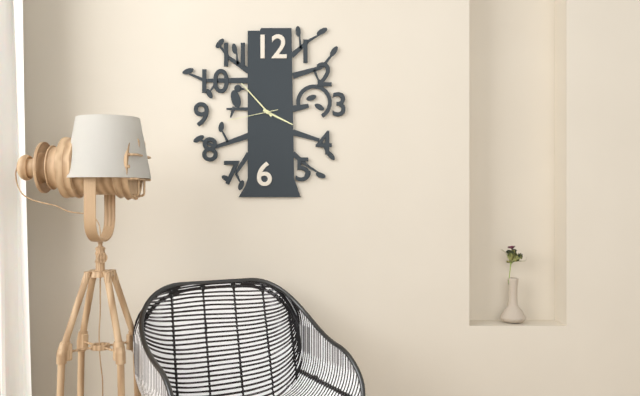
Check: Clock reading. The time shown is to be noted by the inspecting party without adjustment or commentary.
3:53:43
